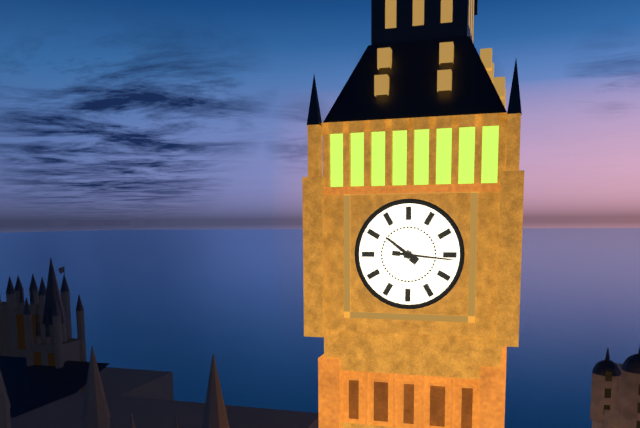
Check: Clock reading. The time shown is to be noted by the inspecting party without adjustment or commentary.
10:16
